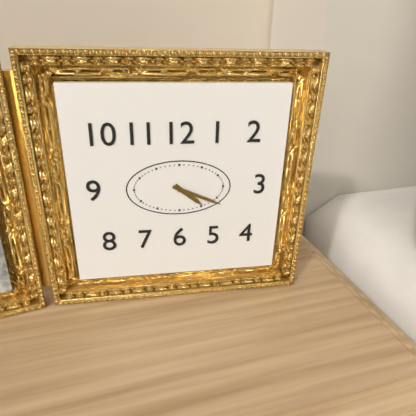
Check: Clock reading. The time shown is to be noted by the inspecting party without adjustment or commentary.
4:19
